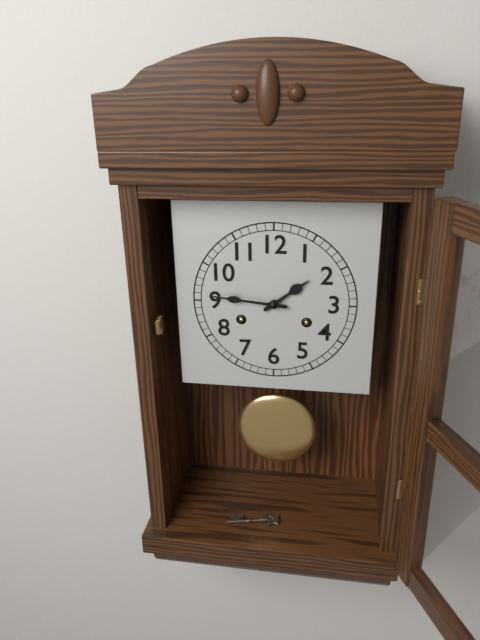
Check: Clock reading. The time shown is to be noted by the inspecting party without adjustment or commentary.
1:46
